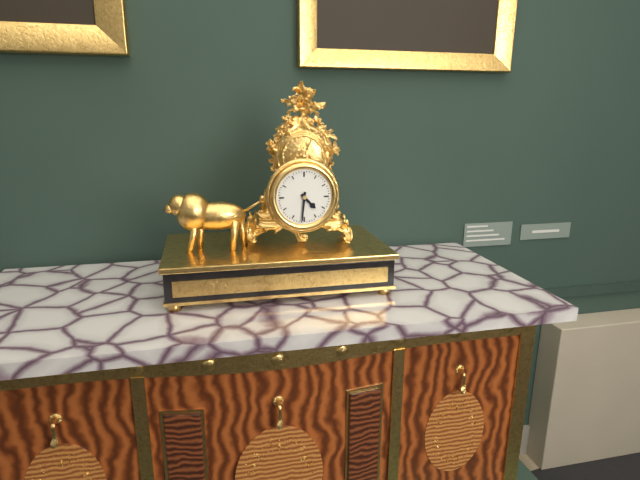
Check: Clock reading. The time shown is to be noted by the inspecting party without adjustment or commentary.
4:31
